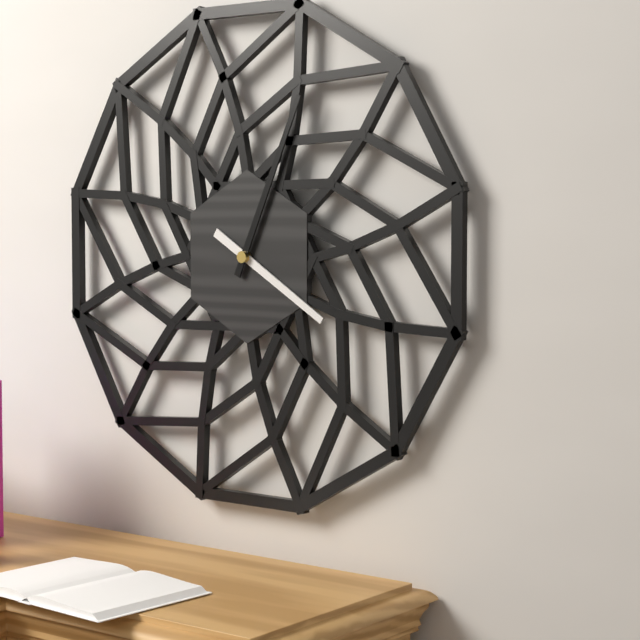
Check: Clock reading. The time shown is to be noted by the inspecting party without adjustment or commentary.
4:04
